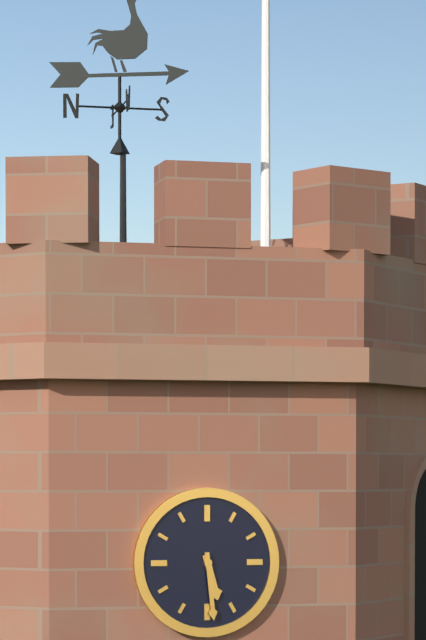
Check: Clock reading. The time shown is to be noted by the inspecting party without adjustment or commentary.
5:29
